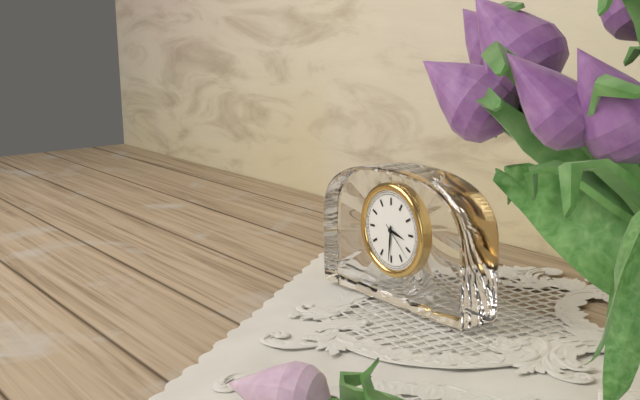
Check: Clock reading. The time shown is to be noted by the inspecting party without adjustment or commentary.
3:31
